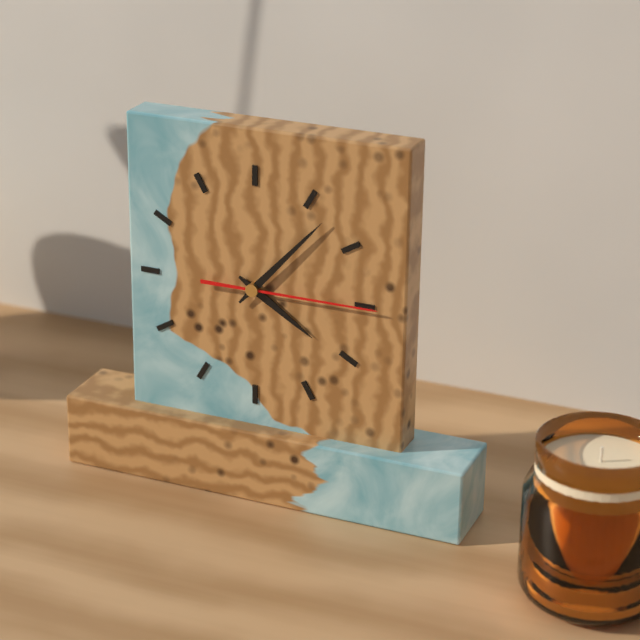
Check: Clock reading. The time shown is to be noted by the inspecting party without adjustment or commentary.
4:07:15
